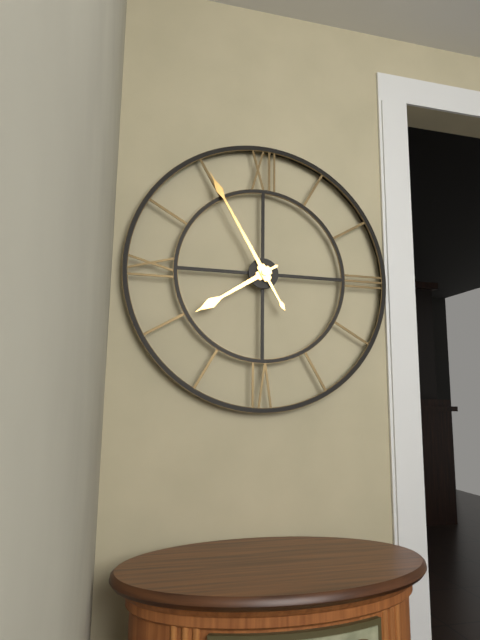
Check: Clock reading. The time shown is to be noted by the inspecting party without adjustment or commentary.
7:55
